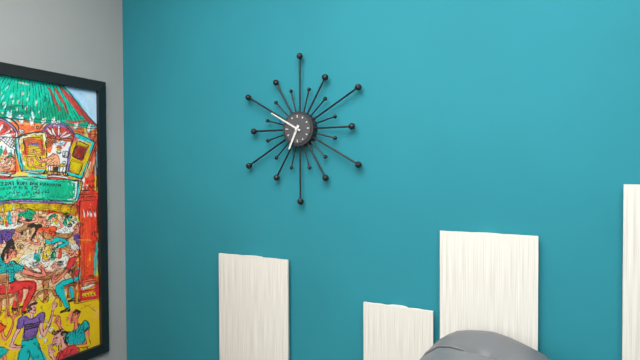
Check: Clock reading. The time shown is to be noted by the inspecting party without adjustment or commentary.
6:50
